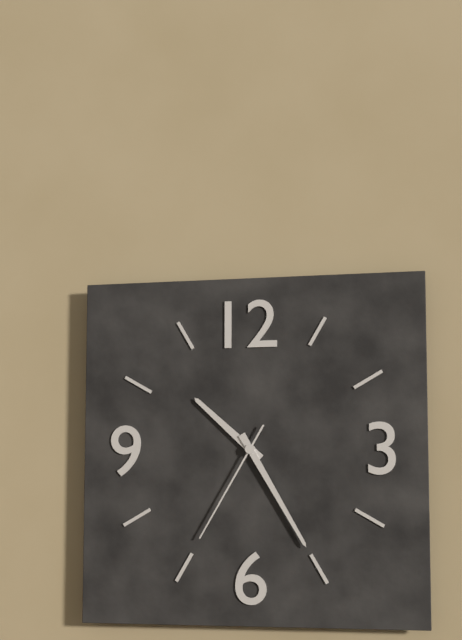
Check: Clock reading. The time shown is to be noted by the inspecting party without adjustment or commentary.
10:25:35
